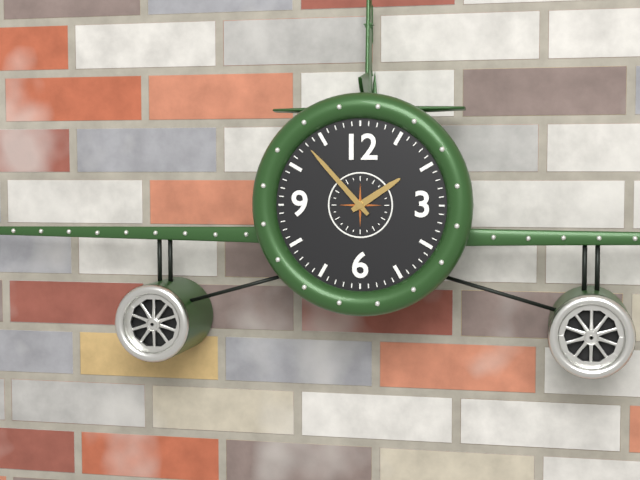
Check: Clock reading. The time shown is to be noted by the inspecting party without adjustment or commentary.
1:53
